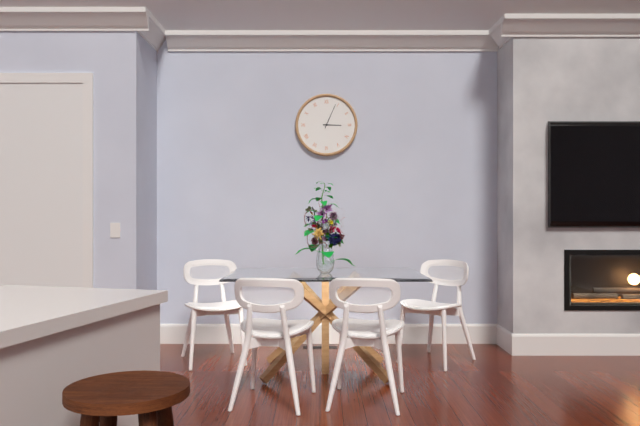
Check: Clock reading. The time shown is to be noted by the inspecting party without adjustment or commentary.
3:04
